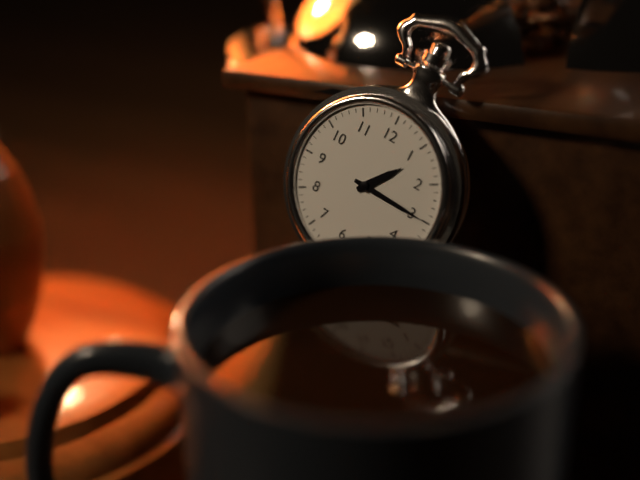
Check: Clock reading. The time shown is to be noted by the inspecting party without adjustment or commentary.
1:15
